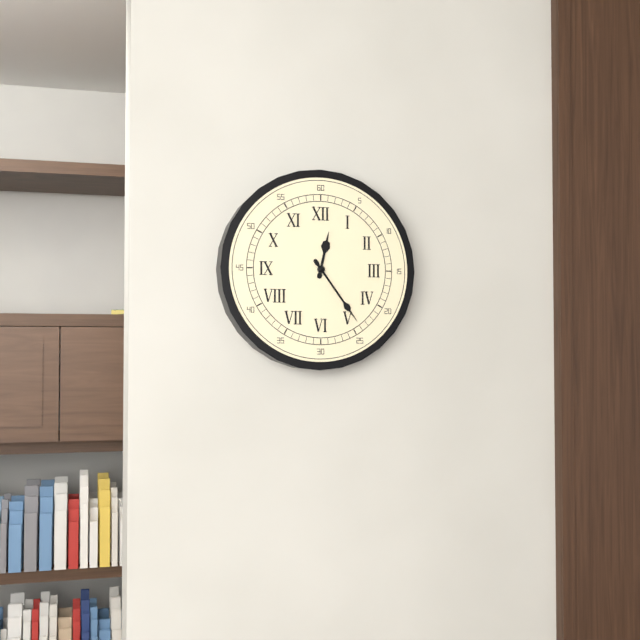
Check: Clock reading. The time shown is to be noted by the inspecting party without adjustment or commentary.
12:24
